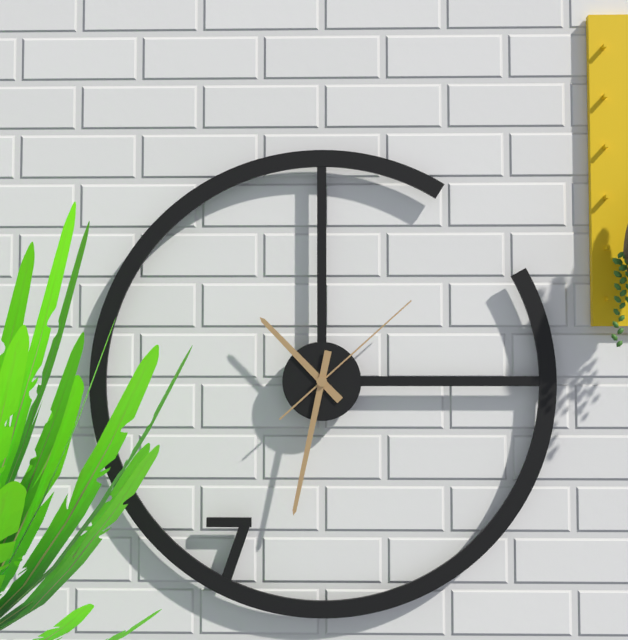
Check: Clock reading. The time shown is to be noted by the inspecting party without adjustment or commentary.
10:32:08
